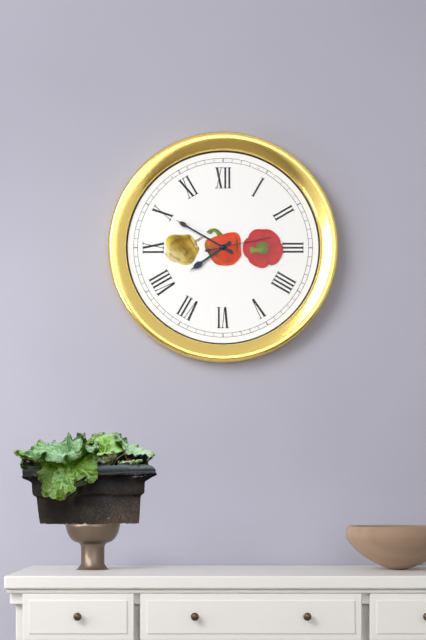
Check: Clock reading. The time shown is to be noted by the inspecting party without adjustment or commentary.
7:50:13
